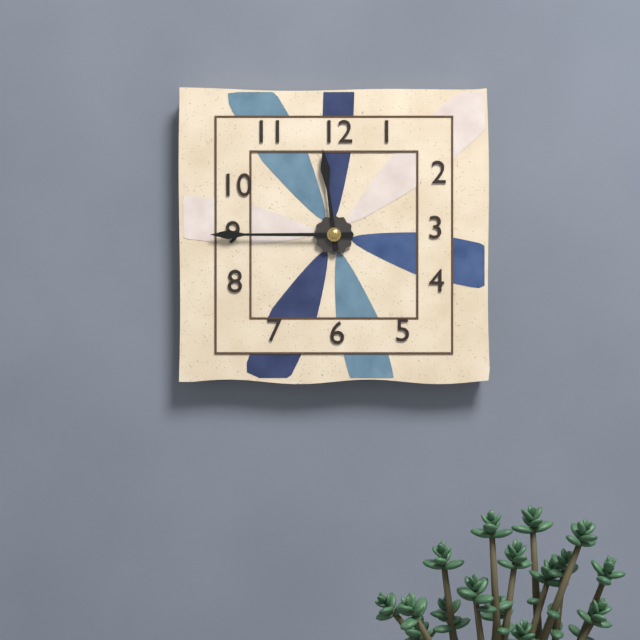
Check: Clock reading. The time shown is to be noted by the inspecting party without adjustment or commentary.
11:45
